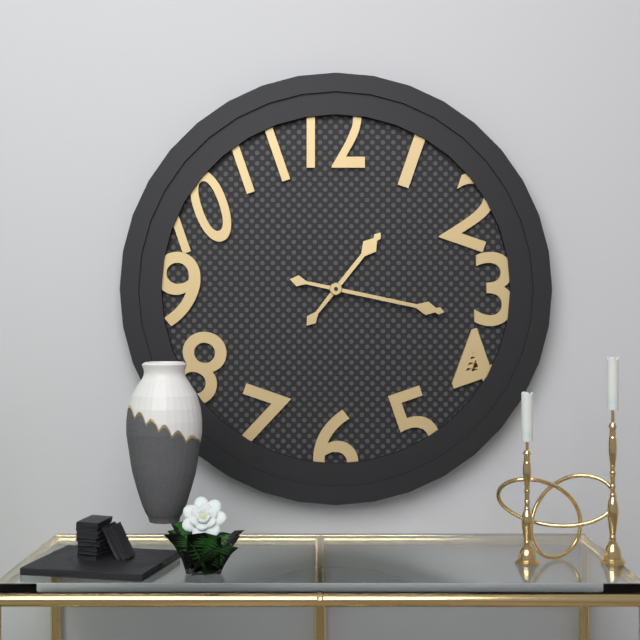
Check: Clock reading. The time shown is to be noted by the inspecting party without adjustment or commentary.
1:17
